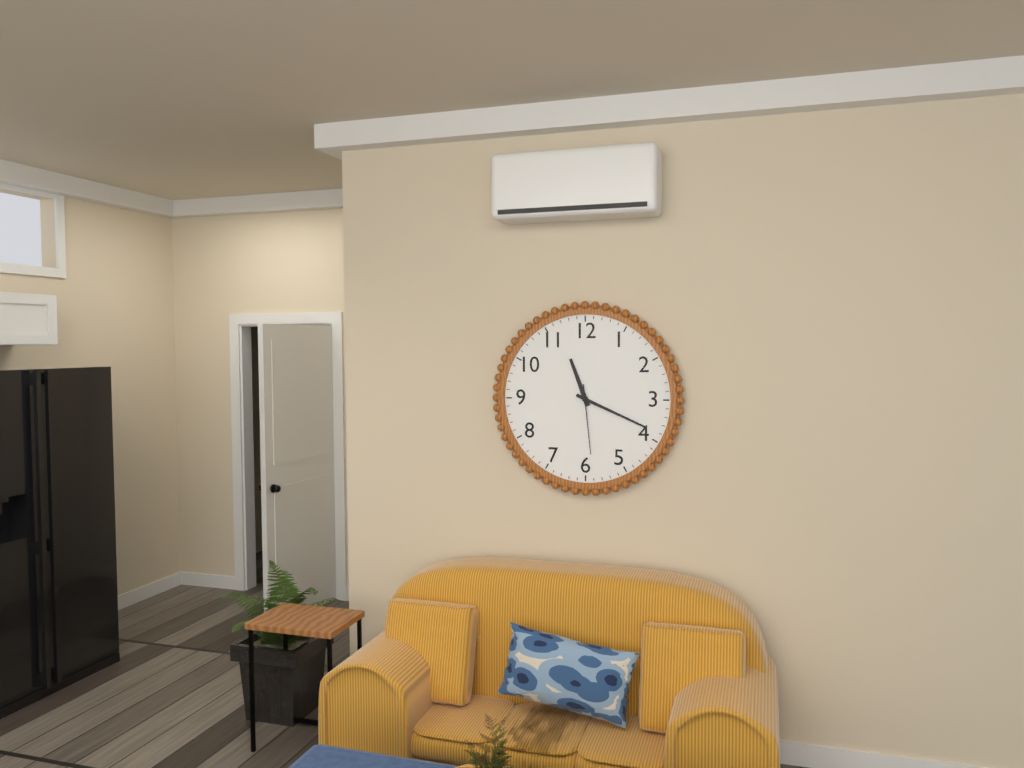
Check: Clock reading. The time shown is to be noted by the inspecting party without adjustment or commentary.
11:19:29
